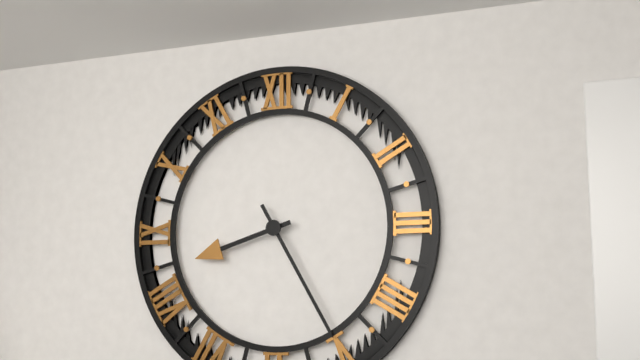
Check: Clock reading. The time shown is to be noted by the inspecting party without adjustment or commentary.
8:25
